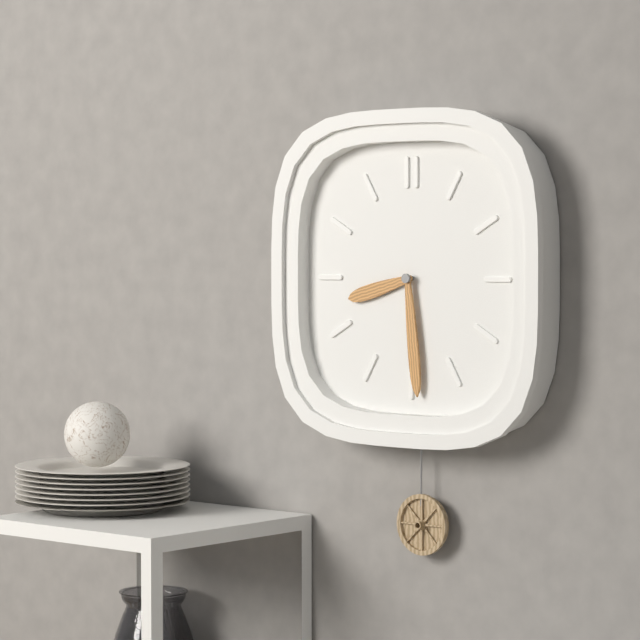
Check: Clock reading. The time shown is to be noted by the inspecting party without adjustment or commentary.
8:29
